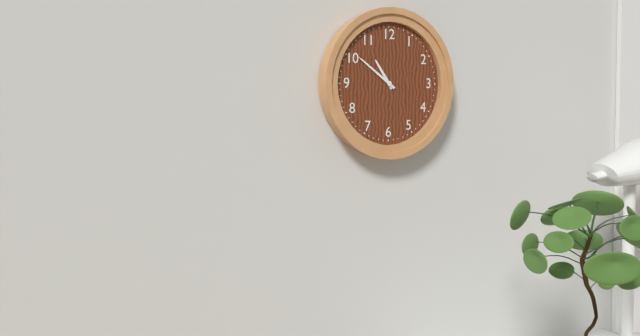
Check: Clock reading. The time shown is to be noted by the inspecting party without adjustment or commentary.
10:51
